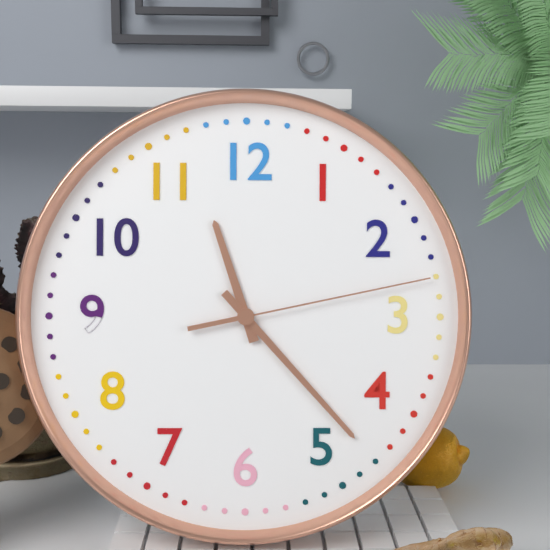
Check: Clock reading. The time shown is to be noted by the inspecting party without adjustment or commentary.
11:23:13
